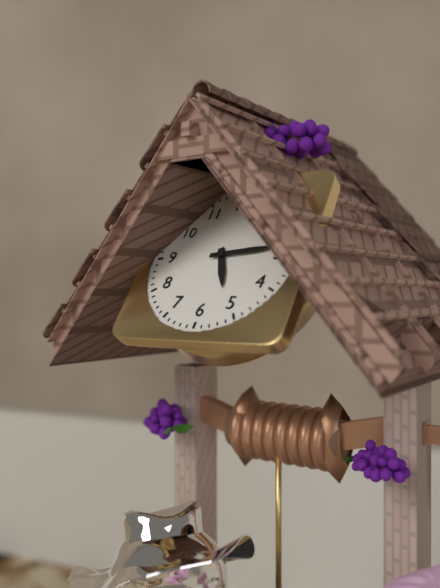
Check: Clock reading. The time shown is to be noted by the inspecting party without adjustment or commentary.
5:14
